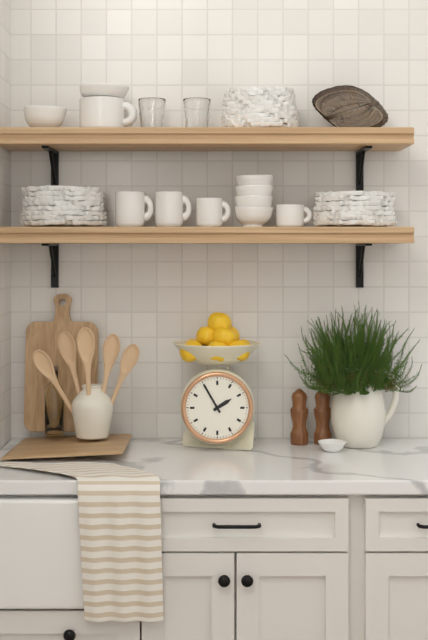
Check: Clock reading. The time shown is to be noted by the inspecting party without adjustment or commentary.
1:55
